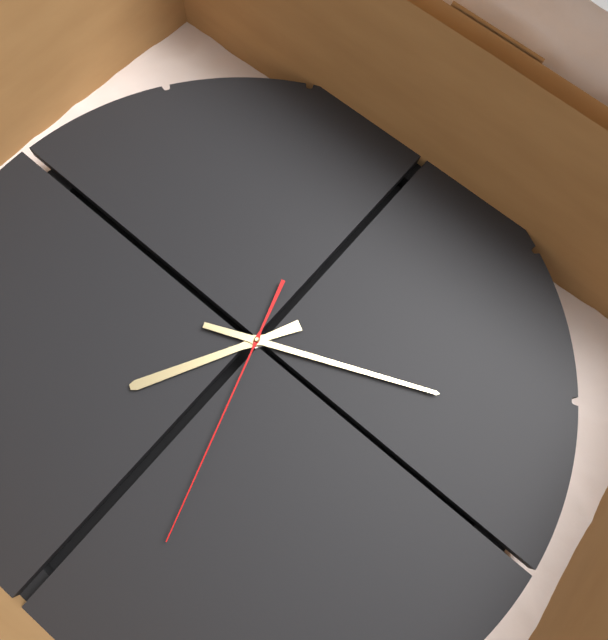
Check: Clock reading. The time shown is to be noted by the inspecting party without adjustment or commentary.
3:56:12
